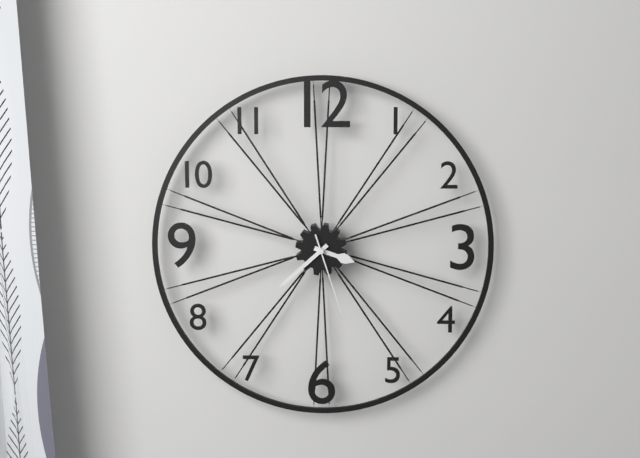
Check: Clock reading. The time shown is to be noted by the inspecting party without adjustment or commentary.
3:38:27
